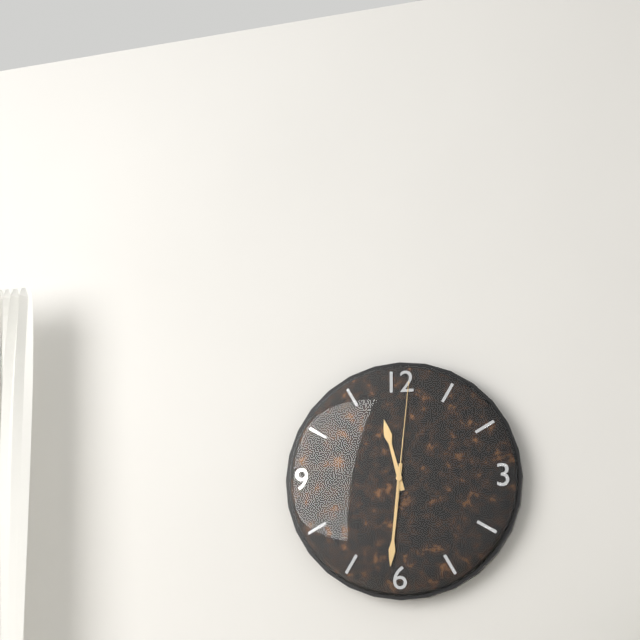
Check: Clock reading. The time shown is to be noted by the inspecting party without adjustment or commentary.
11:31:01
